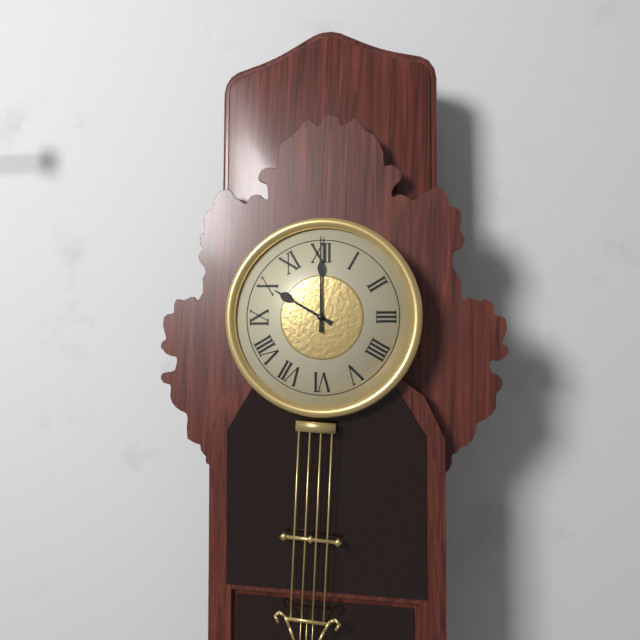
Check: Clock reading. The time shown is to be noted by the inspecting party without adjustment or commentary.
10:00
